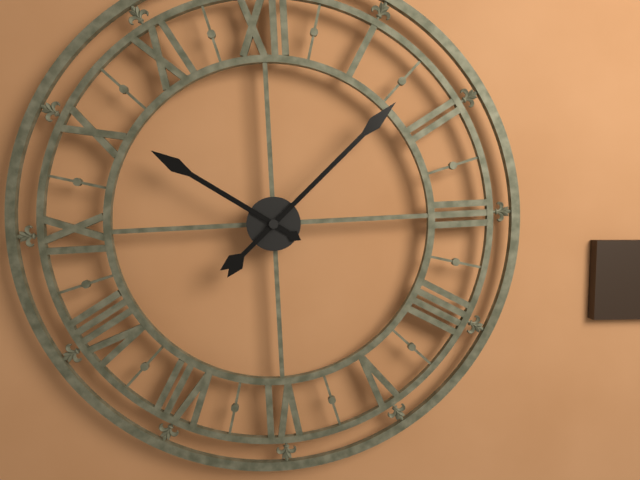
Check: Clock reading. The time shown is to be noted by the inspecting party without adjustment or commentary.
10:08
